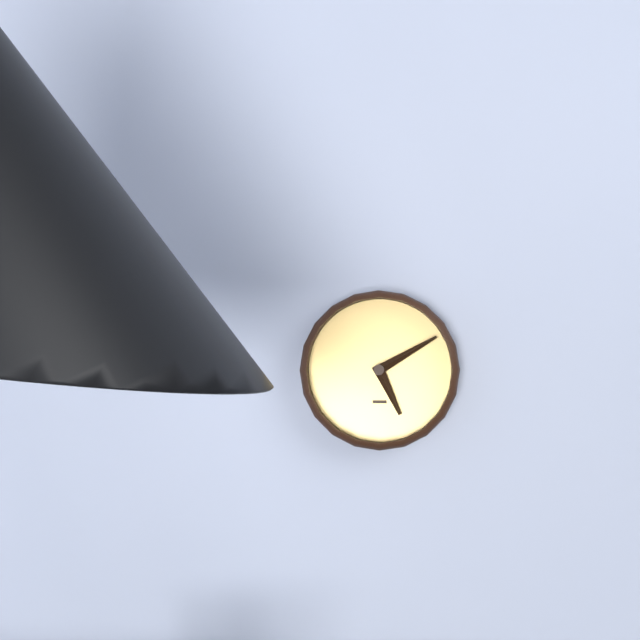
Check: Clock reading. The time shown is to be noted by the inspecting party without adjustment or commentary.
5:10
